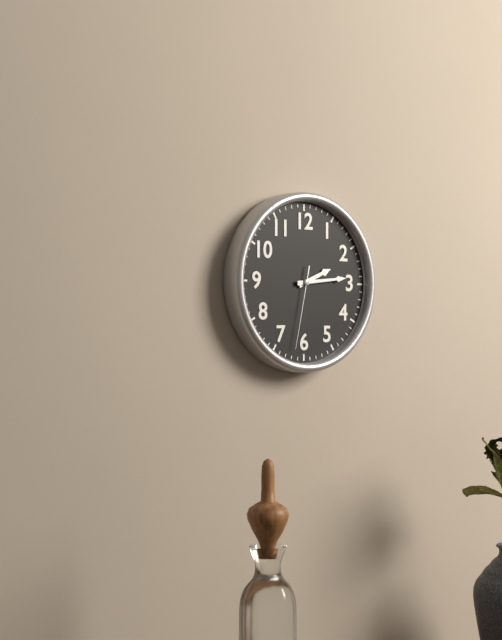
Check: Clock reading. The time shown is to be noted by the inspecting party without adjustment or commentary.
2:14:32
